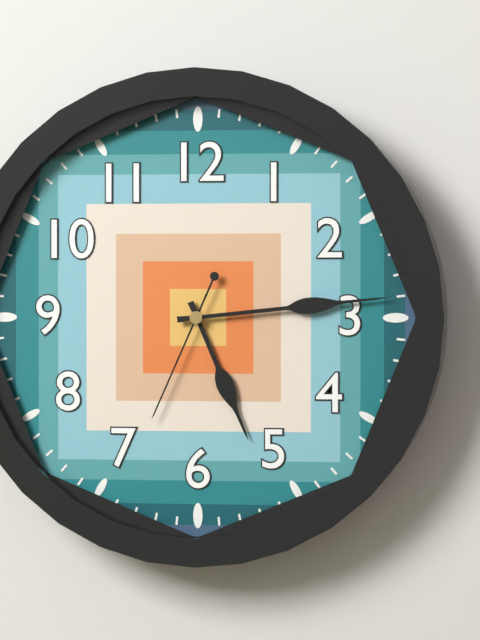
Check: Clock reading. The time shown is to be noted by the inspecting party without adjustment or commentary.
5:14:34
